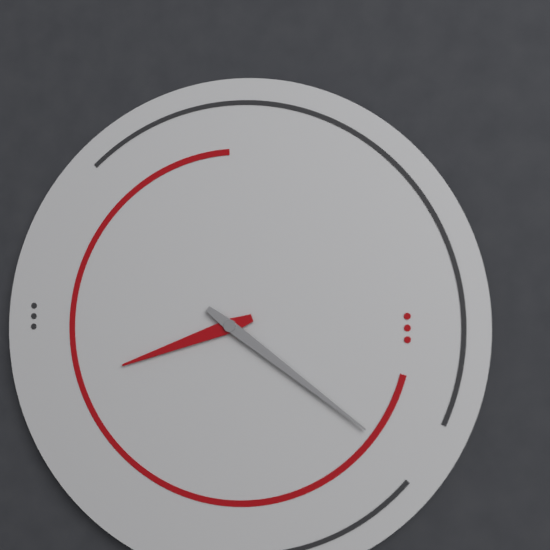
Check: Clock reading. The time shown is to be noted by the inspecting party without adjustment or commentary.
8:21
